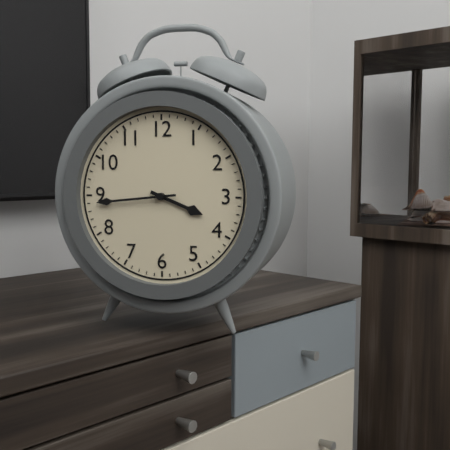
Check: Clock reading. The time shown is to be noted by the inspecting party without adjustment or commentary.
3:44
